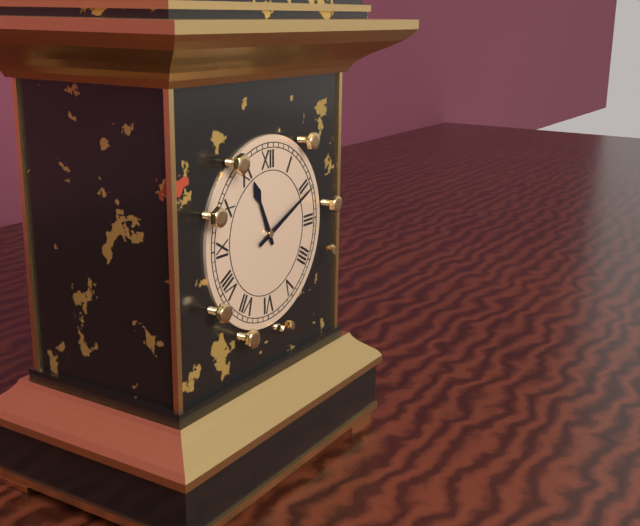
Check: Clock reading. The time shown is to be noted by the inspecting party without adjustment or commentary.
11:11
